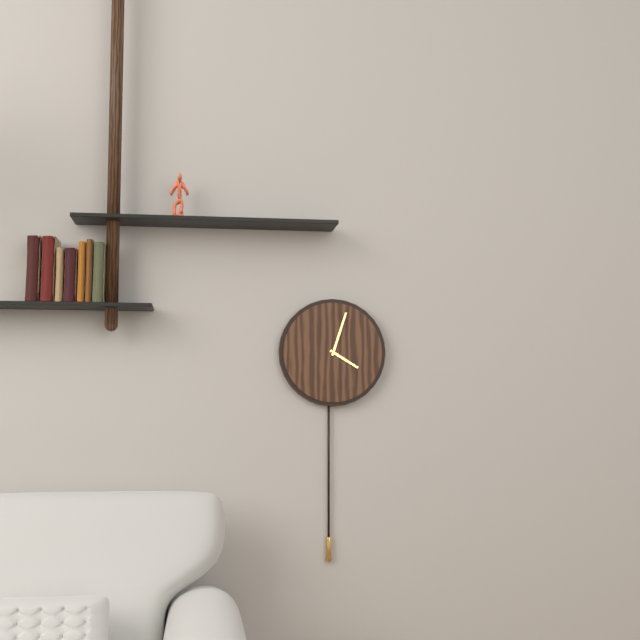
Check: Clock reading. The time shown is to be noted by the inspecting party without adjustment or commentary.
4:03
